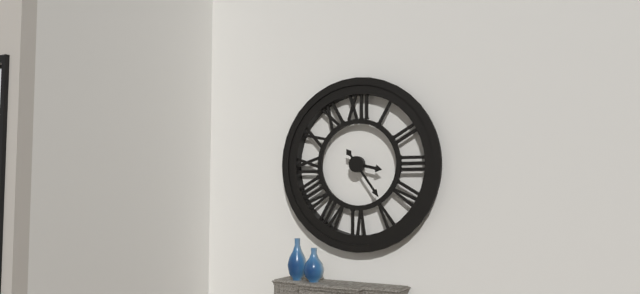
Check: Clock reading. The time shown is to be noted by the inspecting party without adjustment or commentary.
3:24
